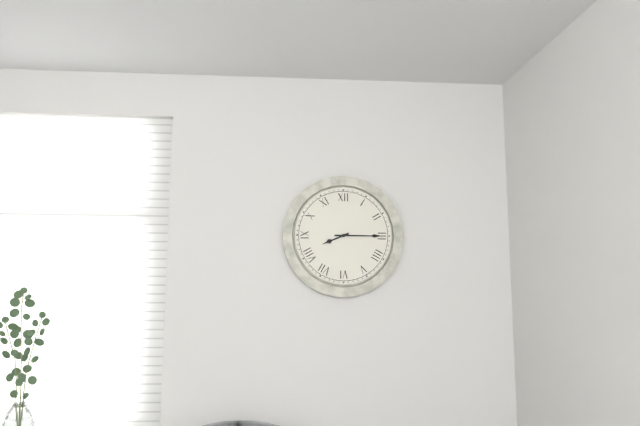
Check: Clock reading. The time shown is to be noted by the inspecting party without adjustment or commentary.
8:15
